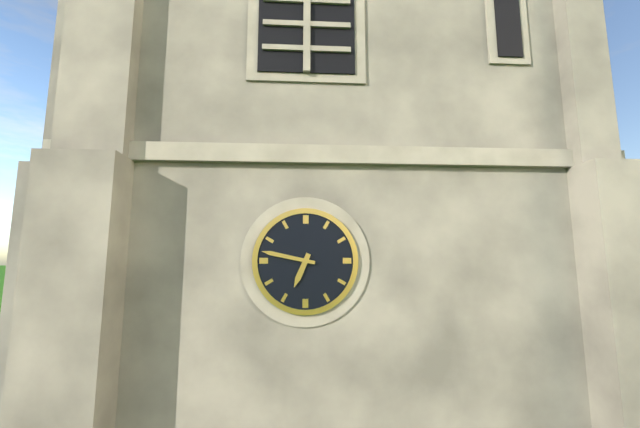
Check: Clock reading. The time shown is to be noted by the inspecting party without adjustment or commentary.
6:47
